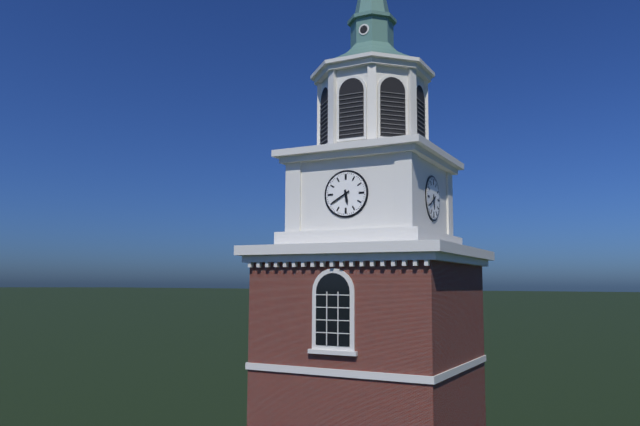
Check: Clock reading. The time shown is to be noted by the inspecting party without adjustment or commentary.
5:40
